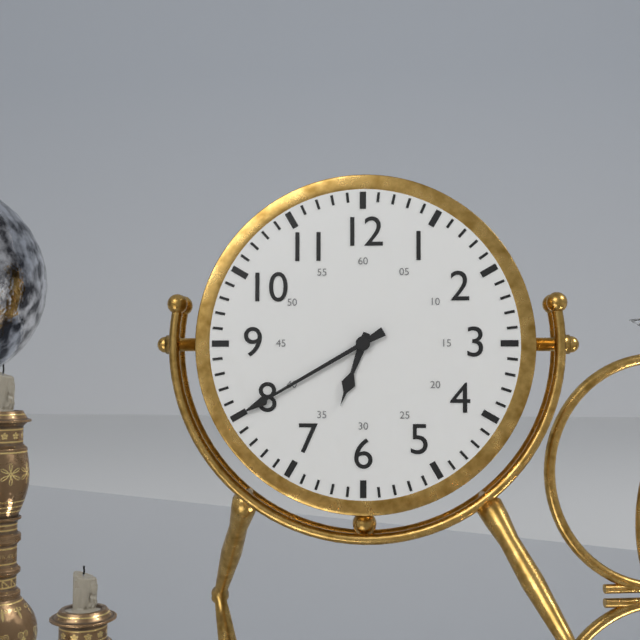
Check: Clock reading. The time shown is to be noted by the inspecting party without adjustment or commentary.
6:40
